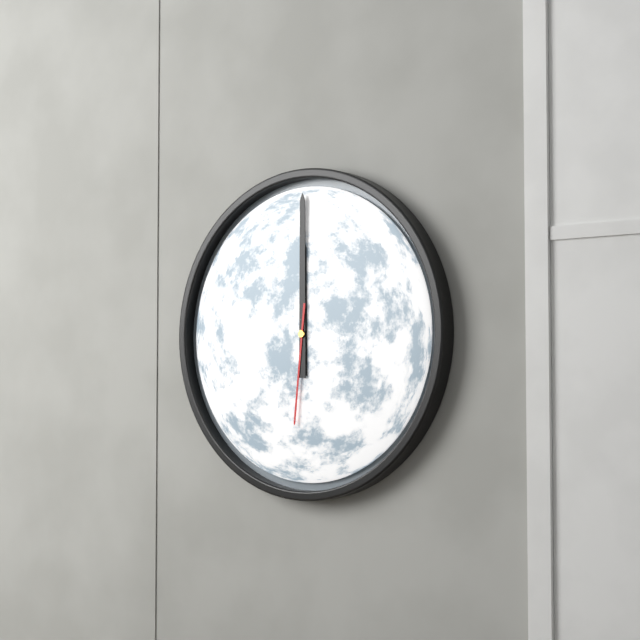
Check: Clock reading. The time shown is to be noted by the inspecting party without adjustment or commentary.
12:00:31
